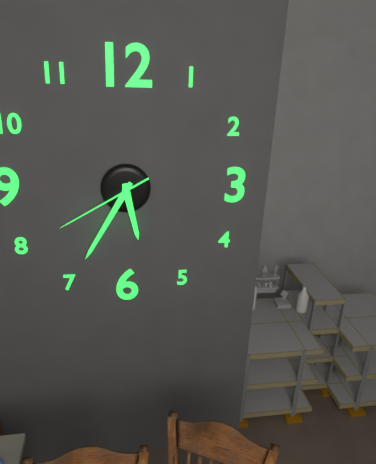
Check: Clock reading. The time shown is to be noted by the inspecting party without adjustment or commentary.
5:35:40
